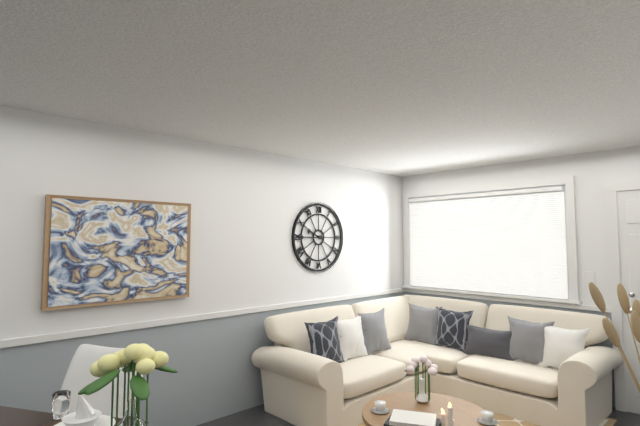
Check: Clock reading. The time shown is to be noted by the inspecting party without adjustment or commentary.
9:45
